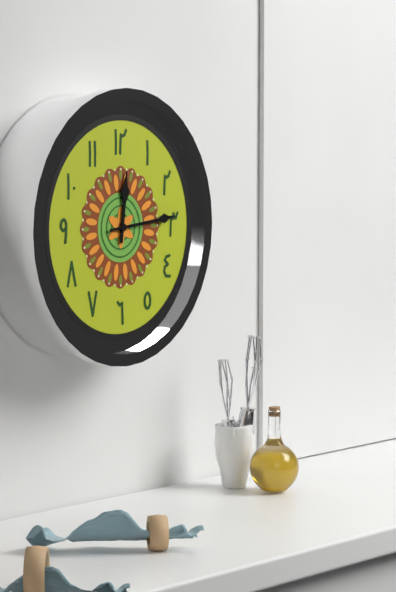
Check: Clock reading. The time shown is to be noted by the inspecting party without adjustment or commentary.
12:14
